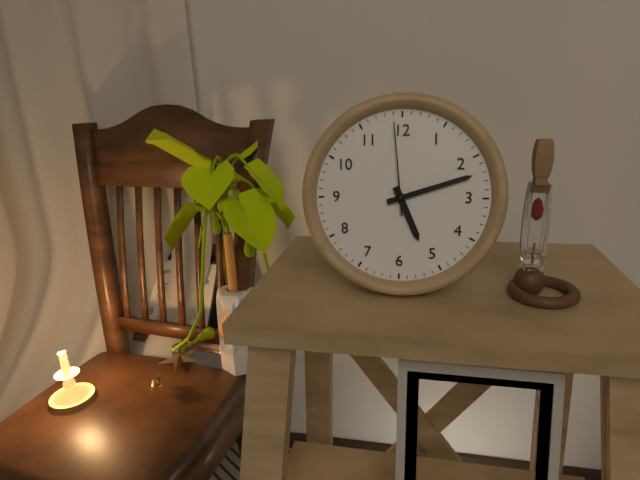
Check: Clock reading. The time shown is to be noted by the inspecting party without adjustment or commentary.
5:12:59
